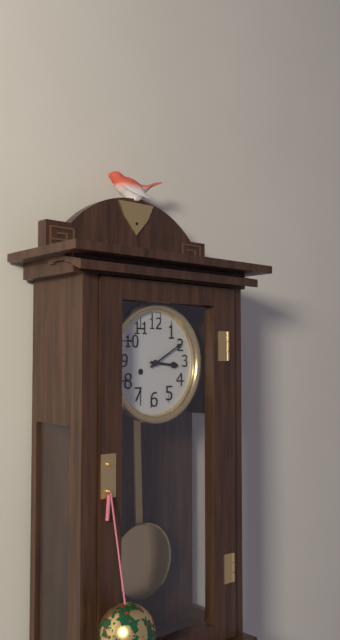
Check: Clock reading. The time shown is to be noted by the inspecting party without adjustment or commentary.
3:10
